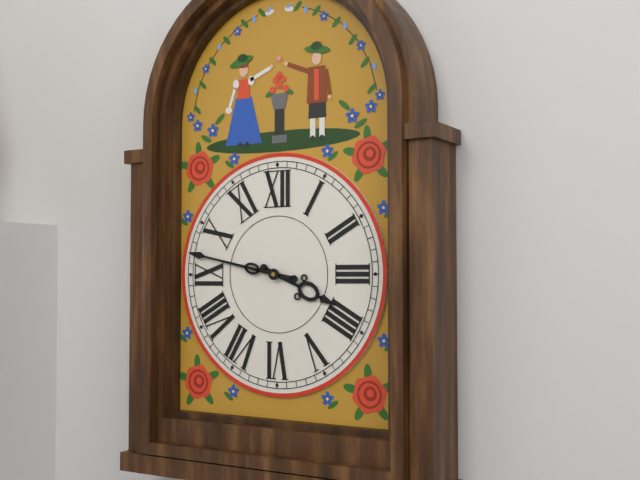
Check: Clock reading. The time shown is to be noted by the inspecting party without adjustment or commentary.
3:47
